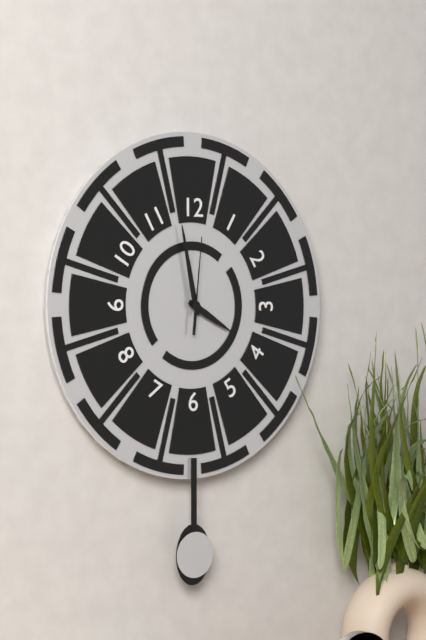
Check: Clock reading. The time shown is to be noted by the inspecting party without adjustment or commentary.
3:58:01
